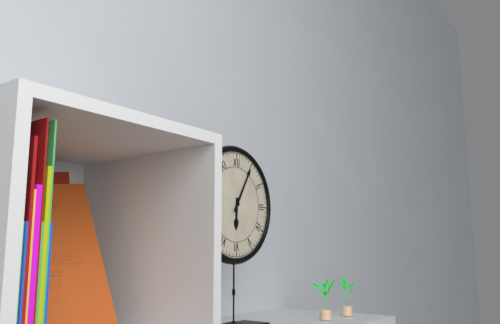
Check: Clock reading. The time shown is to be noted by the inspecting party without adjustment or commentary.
6:05
